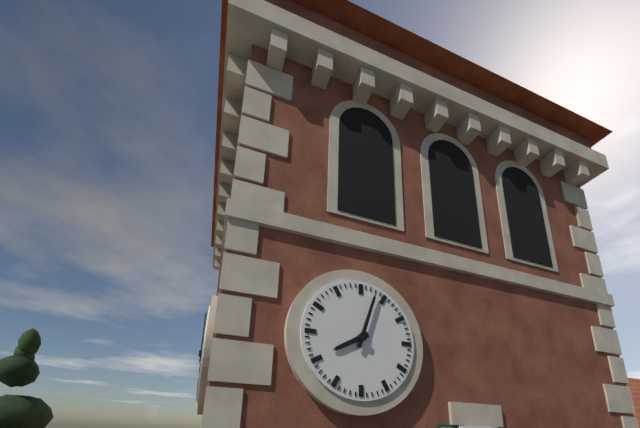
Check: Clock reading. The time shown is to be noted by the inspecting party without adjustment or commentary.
8:03
